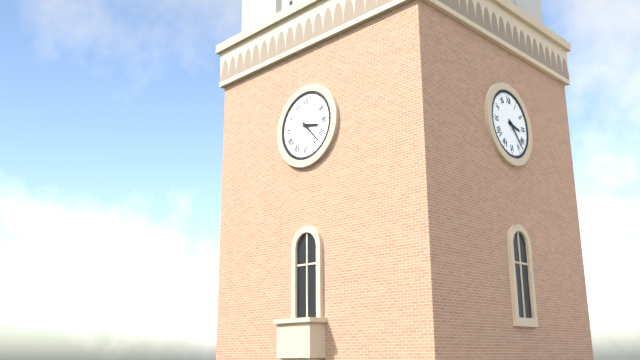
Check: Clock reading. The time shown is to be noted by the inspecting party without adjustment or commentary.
3:23
